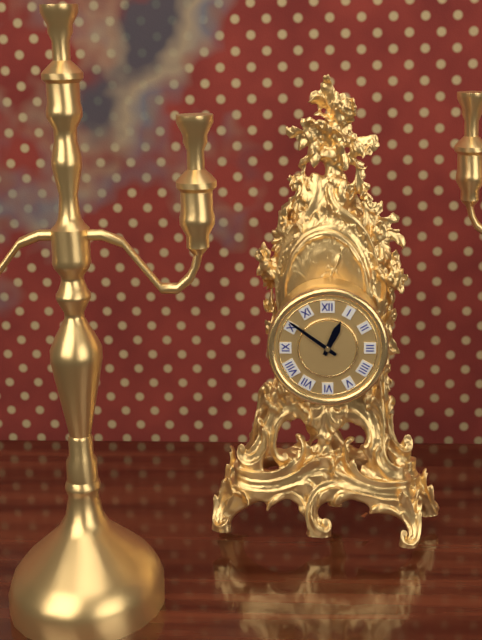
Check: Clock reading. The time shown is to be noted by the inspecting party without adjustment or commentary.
12:51
